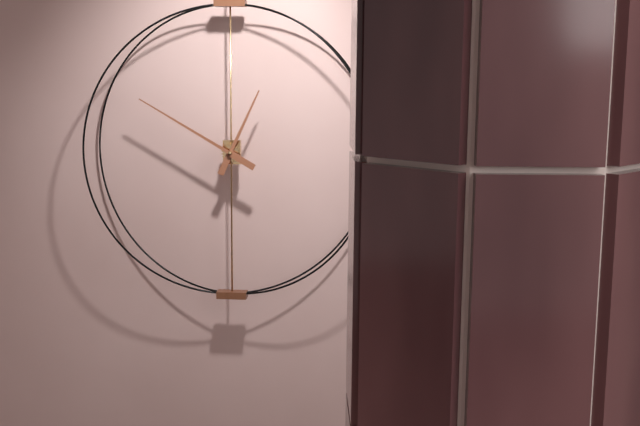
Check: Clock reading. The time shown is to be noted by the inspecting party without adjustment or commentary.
12:50
